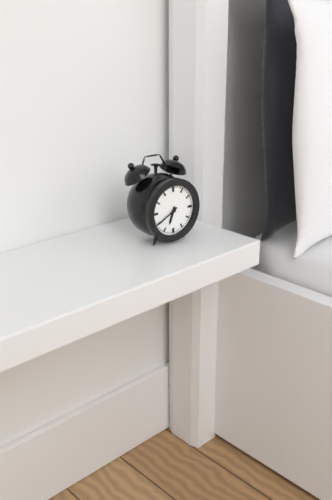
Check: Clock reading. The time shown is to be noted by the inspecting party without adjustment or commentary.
6:40
